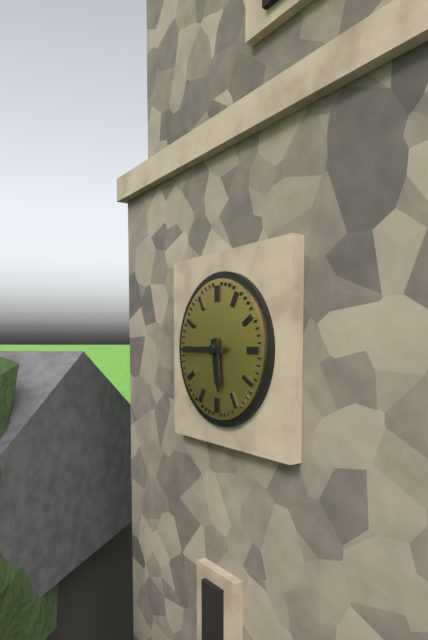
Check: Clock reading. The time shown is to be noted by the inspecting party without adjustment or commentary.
5:45
